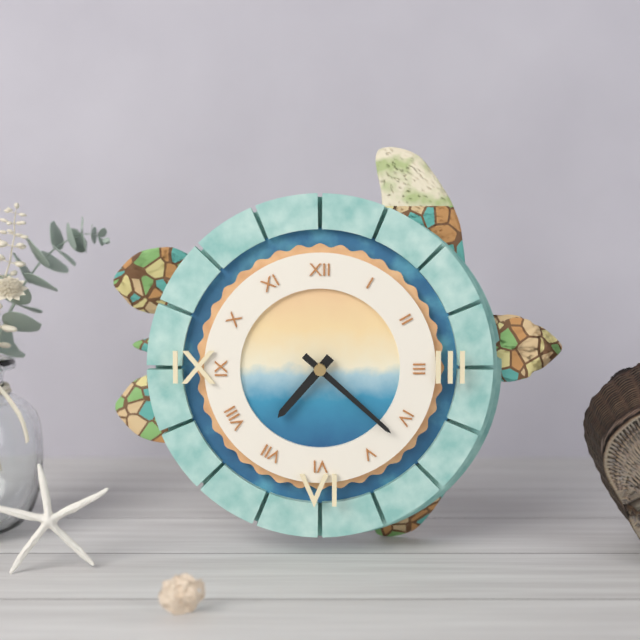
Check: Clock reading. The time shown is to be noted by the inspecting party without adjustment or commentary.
7:22
